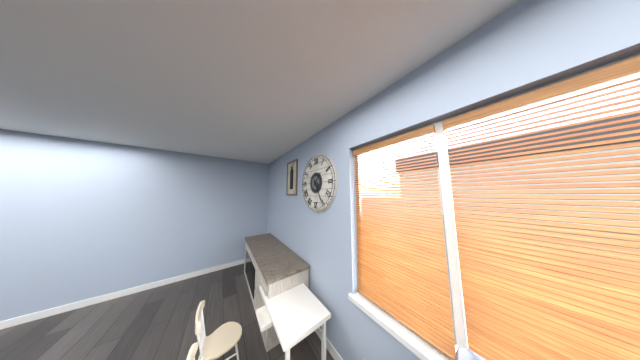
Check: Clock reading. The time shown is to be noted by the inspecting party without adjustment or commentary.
1:25
